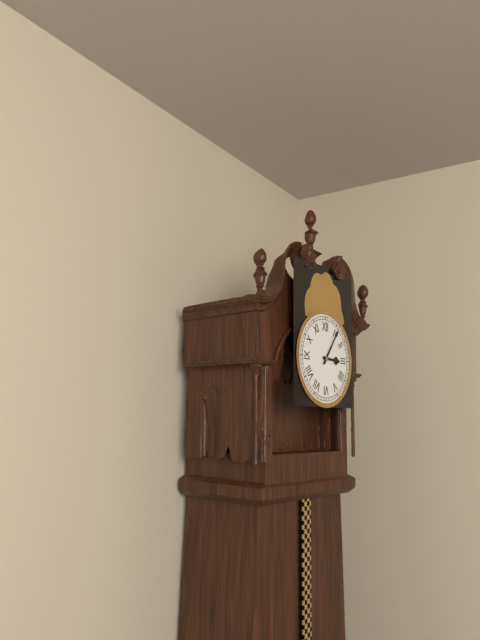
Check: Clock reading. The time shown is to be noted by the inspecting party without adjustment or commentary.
3:06
